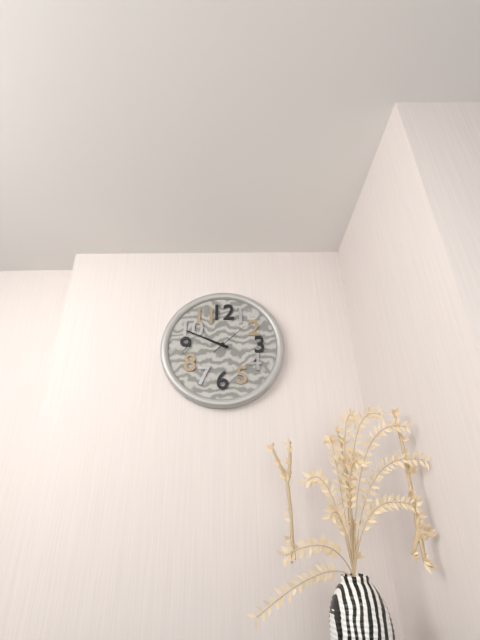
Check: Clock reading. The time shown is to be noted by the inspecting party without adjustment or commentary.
9:49
